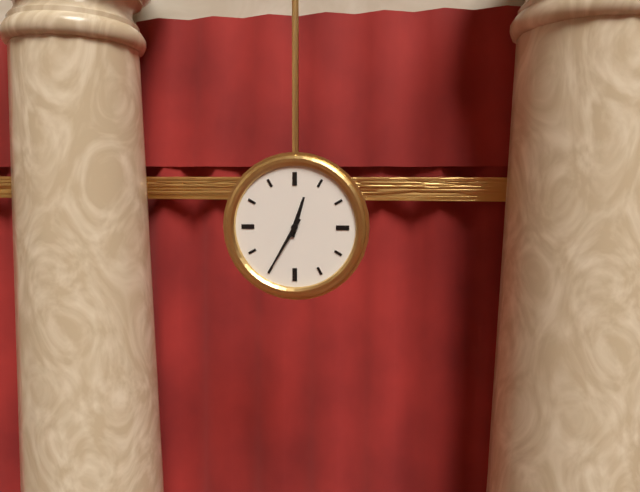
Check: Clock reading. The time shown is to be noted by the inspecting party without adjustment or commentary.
12:35
